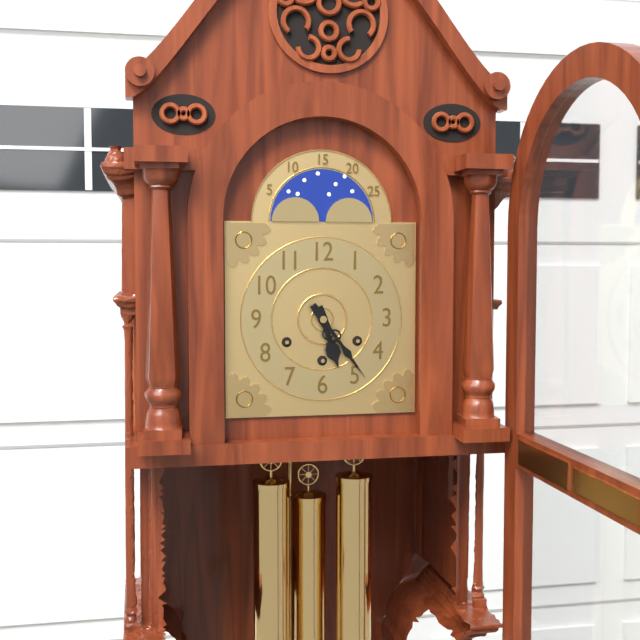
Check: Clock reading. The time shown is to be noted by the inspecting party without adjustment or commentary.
5:24
